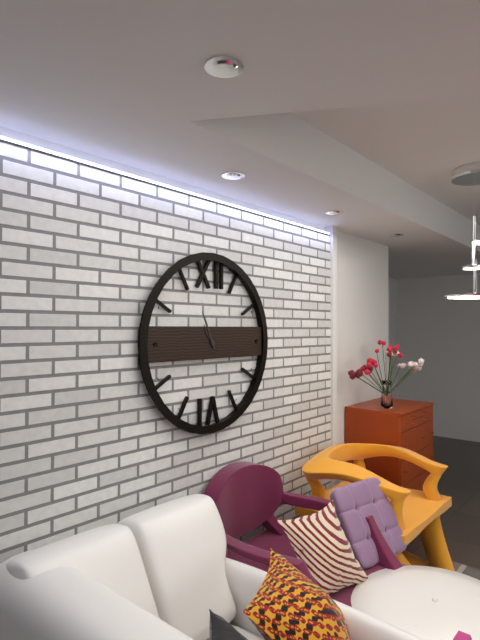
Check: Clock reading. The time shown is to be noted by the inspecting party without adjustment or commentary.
10:56
